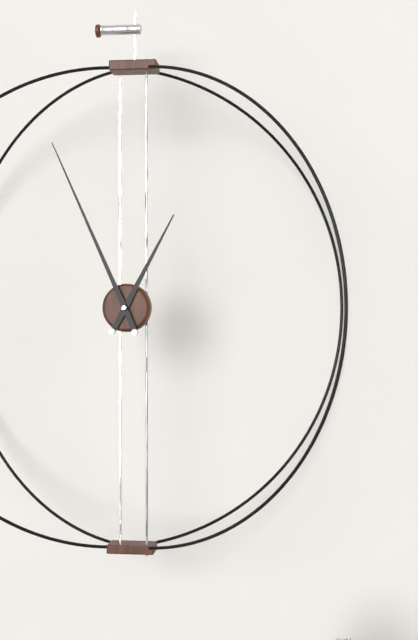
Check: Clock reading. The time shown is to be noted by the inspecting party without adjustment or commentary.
12:56
